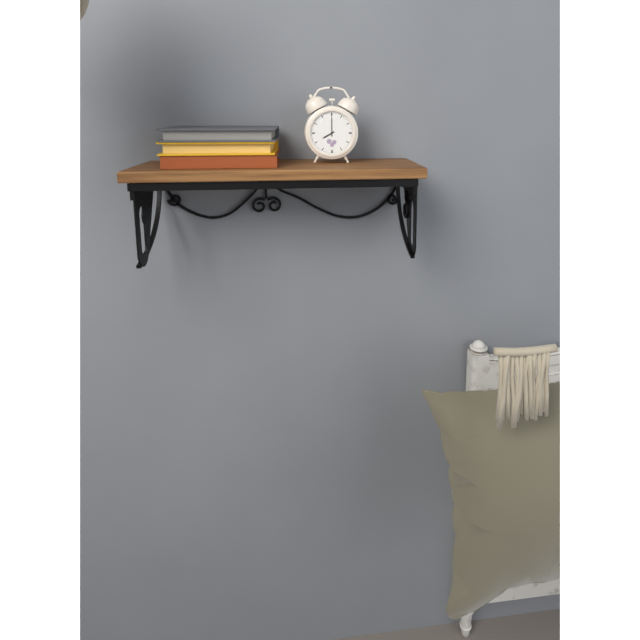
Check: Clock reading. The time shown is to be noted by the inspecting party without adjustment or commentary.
8:00
